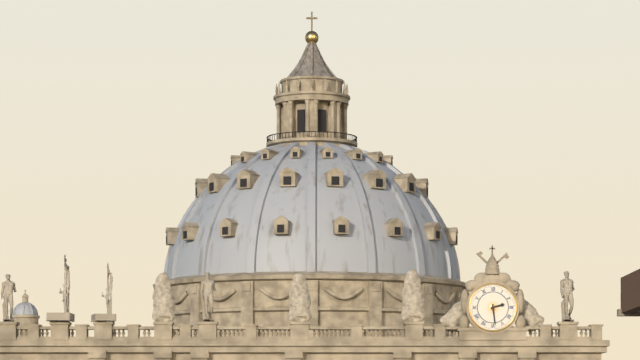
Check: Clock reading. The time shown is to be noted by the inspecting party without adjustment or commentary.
2:29
